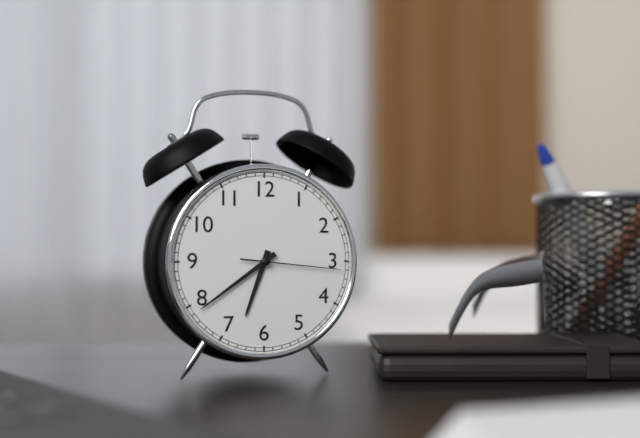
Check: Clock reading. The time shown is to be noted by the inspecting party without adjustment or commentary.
6:39:16
